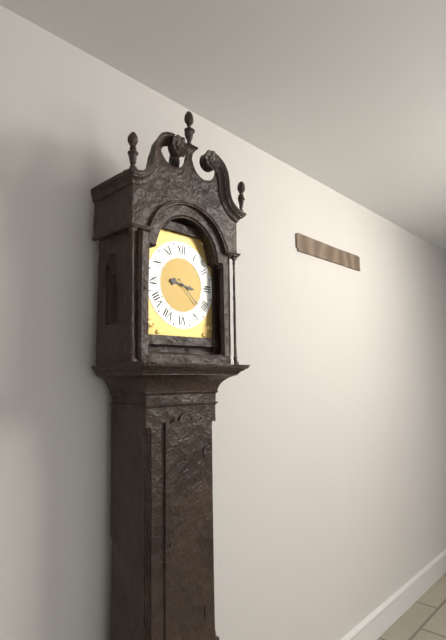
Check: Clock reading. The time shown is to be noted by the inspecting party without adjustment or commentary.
3:22
